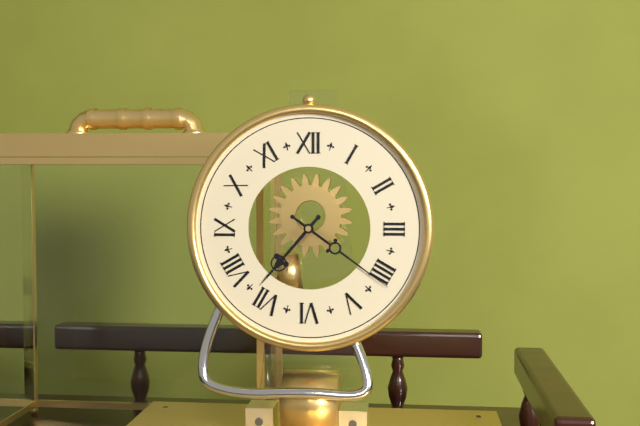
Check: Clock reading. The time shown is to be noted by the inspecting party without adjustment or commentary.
7:21
